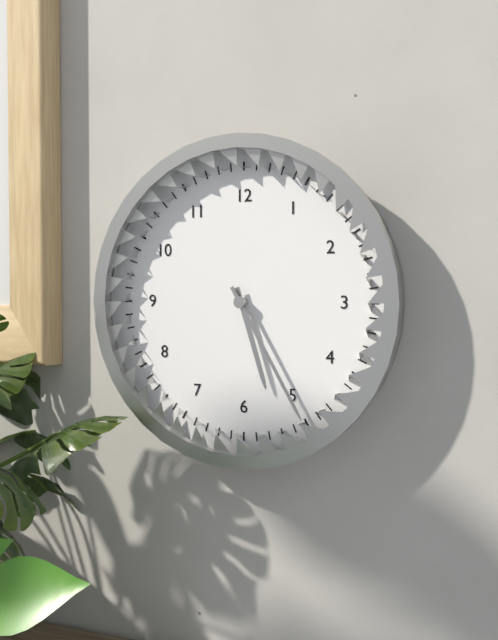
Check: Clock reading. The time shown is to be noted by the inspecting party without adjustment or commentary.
5:25
